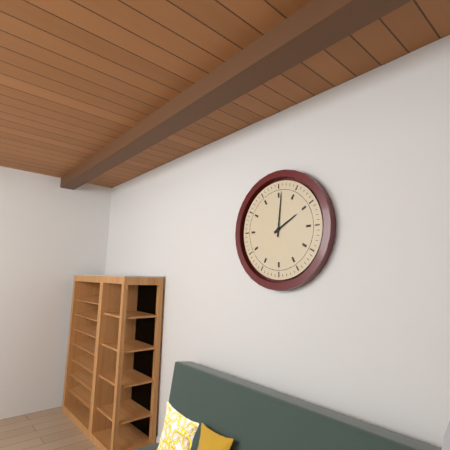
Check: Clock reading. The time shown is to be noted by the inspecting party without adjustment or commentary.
2:01
